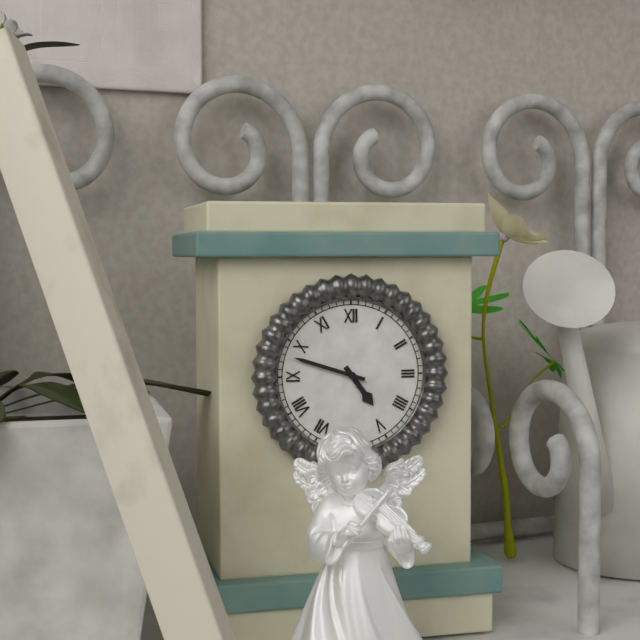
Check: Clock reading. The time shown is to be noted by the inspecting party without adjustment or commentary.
4:48
